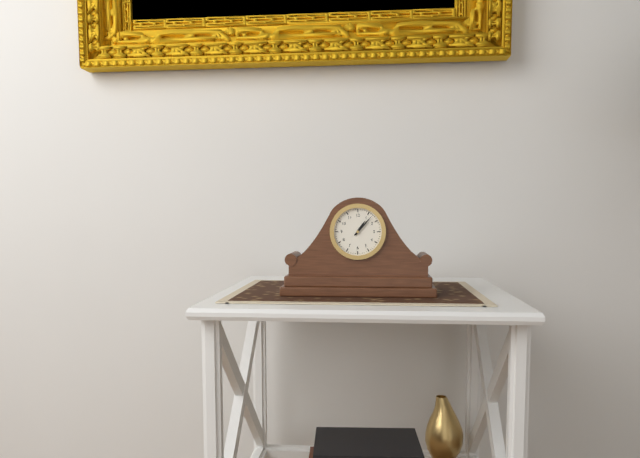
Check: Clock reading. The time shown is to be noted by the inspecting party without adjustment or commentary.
1:07
